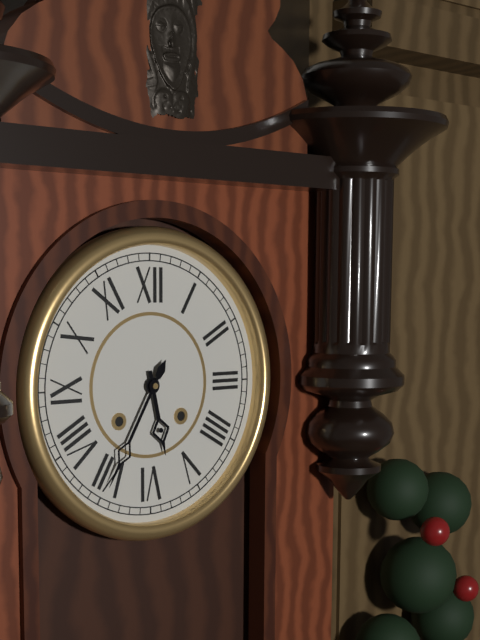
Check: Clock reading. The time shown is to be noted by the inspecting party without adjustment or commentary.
5:35
